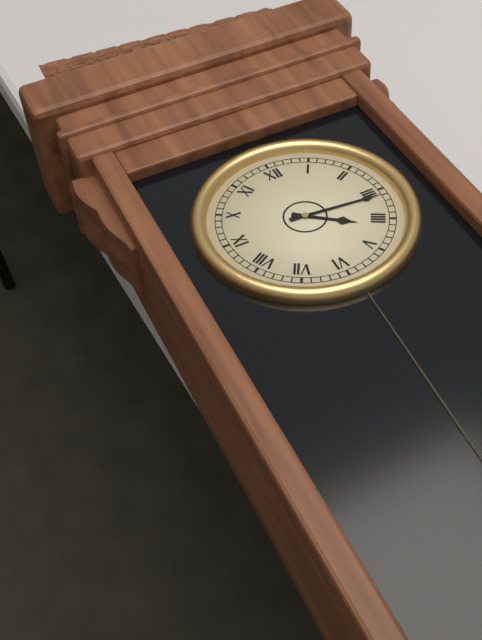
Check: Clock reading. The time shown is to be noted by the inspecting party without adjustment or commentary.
4:16
